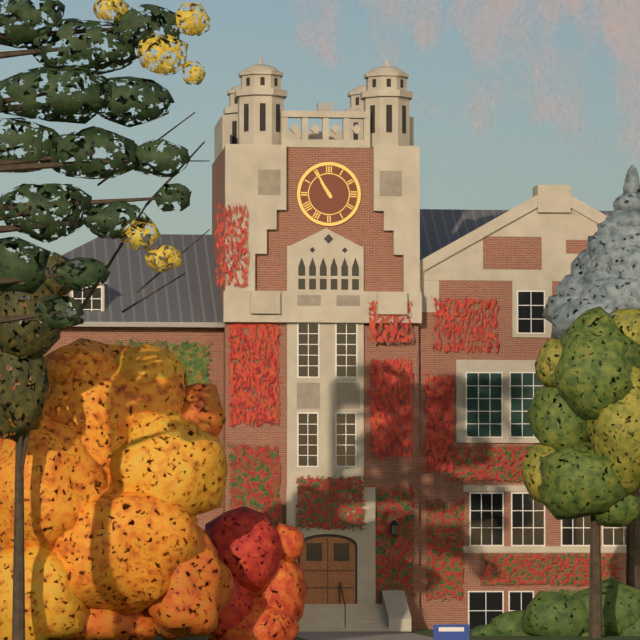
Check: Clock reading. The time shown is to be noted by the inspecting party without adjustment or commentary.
10:55
